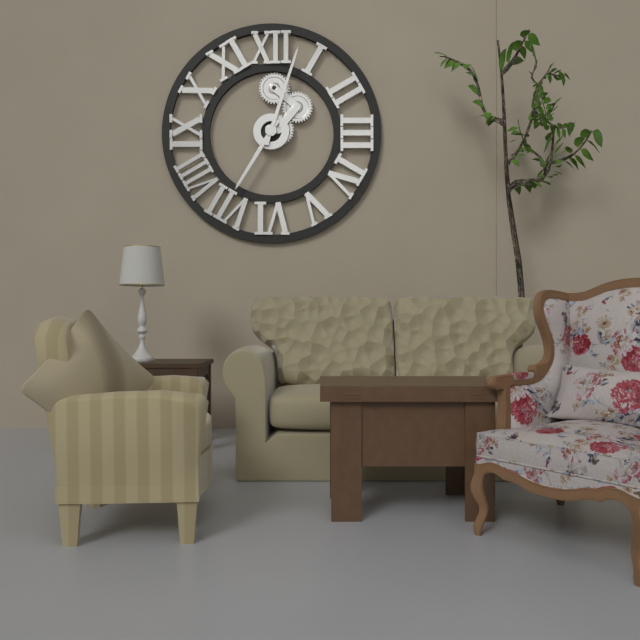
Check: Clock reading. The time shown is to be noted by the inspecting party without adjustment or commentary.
7:03
